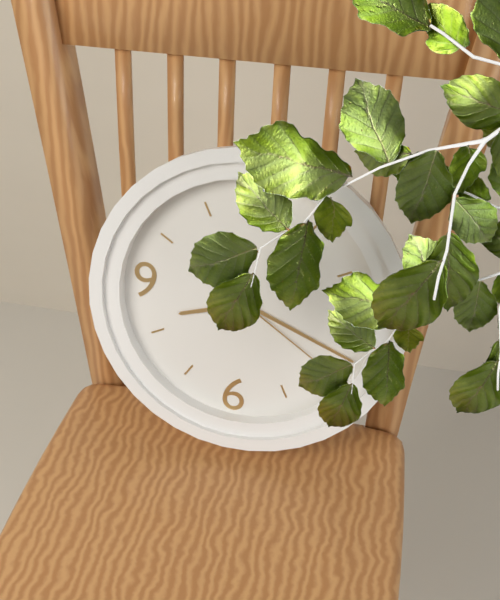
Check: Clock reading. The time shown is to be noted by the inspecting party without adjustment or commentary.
8:18:20
